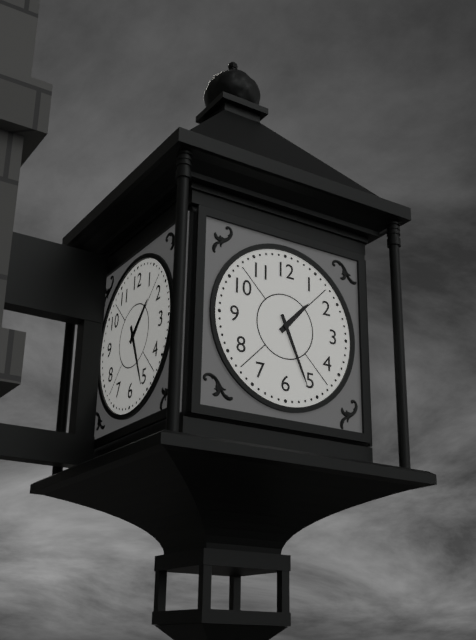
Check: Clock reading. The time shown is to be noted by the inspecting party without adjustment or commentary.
1:26
